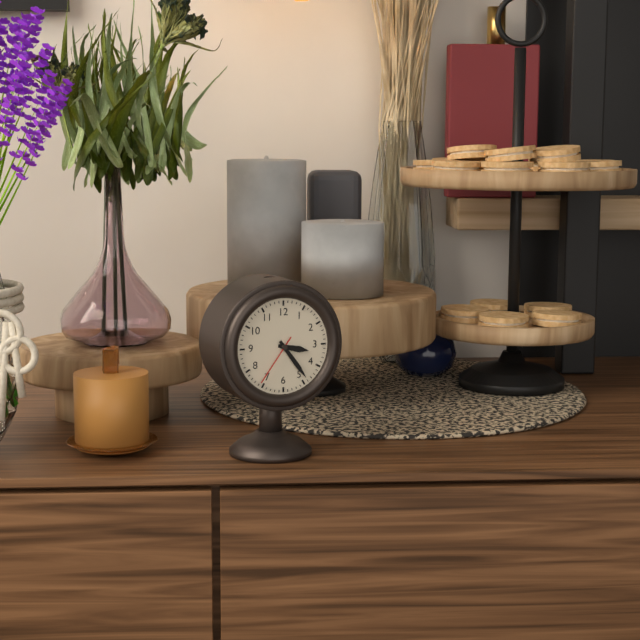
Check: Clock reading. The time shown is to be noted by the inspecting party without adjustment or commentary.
3:24:36
